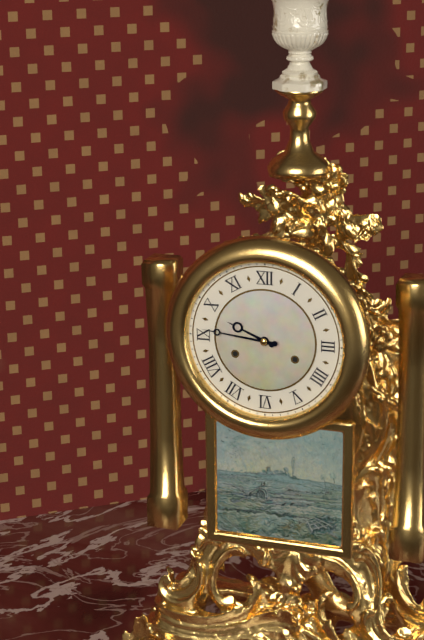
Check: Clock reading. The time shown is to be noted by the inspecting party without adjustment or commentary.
9:46
